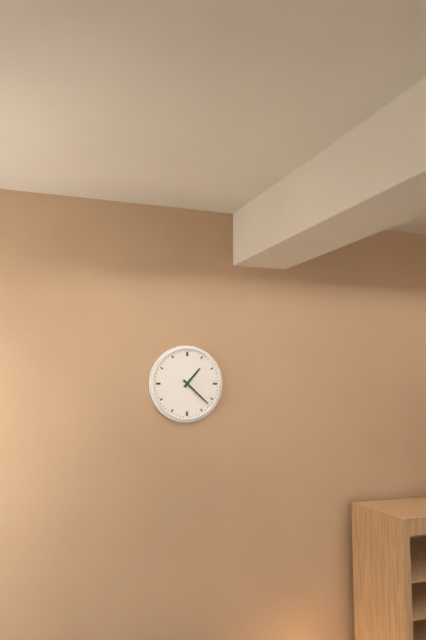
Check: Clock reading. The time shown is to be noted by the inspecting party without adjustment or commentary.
1:22
